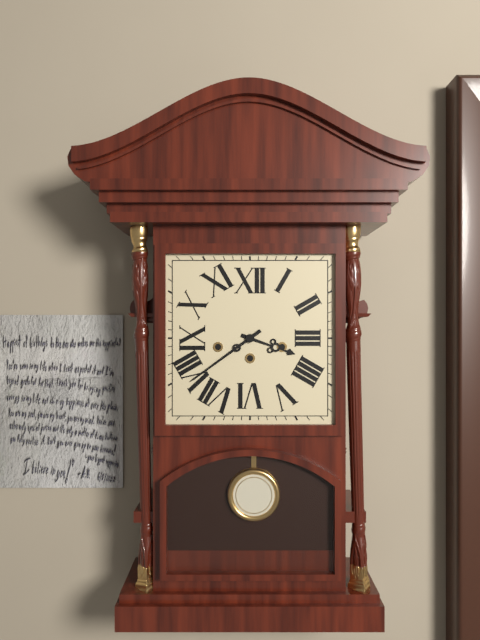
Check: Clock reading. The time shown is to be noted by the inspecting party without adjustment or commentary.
3:39
